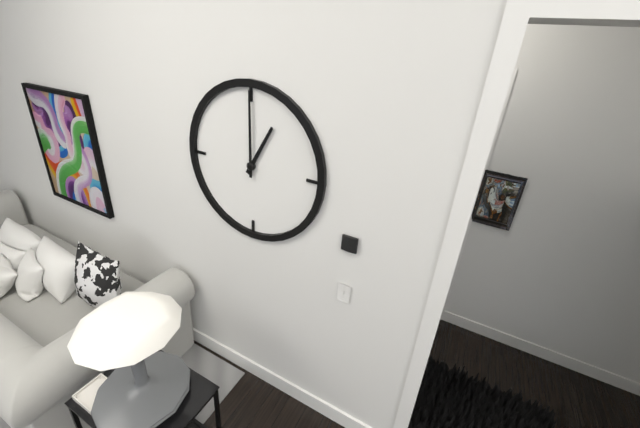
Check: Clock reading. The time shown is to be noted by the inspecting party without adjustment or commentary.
1:00
